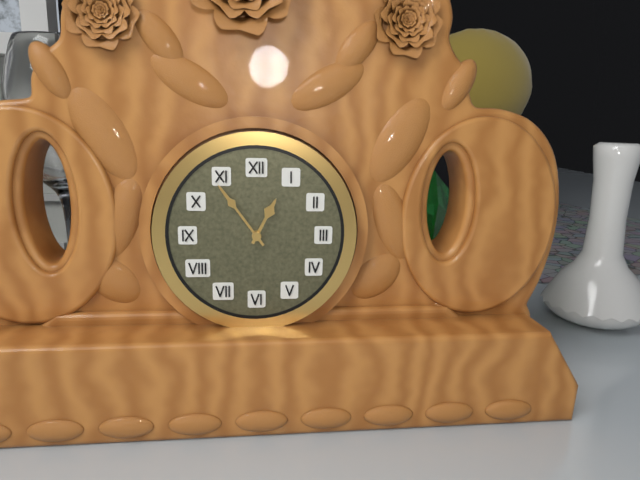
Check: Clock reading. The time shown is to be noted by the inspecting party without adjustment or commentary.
12:54
